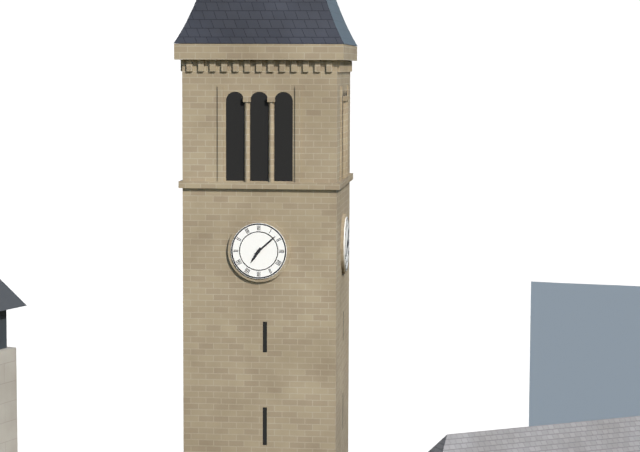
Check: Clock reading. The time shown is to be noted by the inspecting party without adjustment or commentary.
7:08
